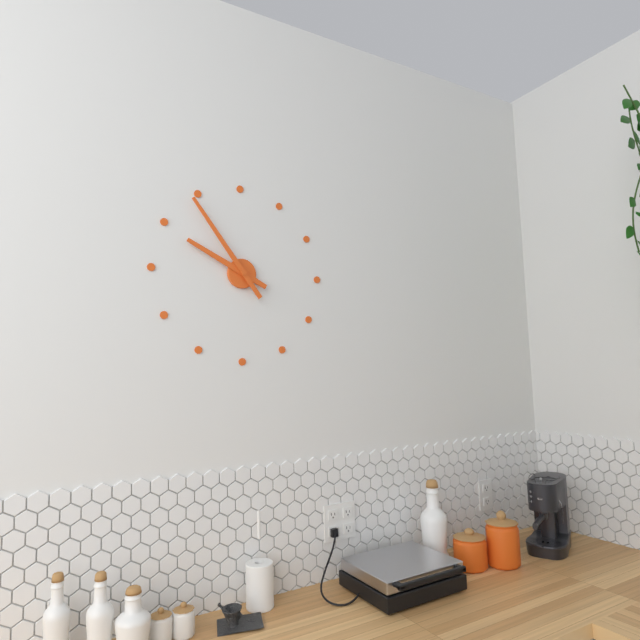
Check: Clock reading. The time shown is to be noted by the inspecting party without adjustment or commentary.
9:54
